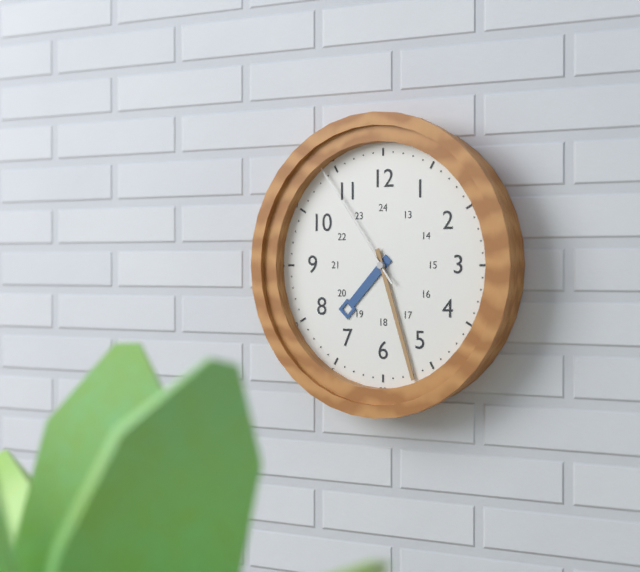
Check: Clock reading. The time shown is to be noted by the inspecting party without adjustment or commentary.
7:27:54
